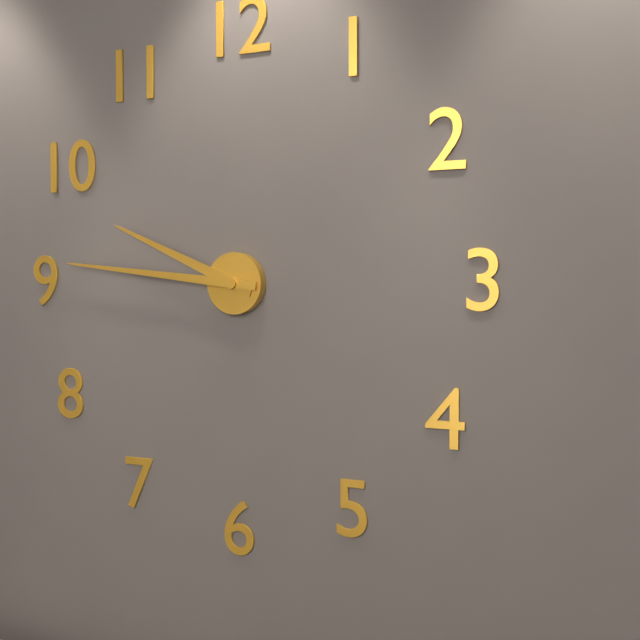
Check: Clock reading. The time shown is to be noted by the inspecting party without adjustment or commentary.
9:46
